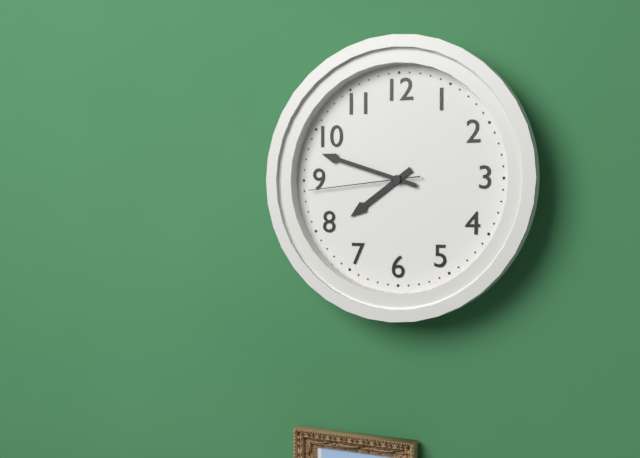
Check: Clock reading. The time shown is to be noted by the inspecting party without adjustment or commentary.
7:48:44
